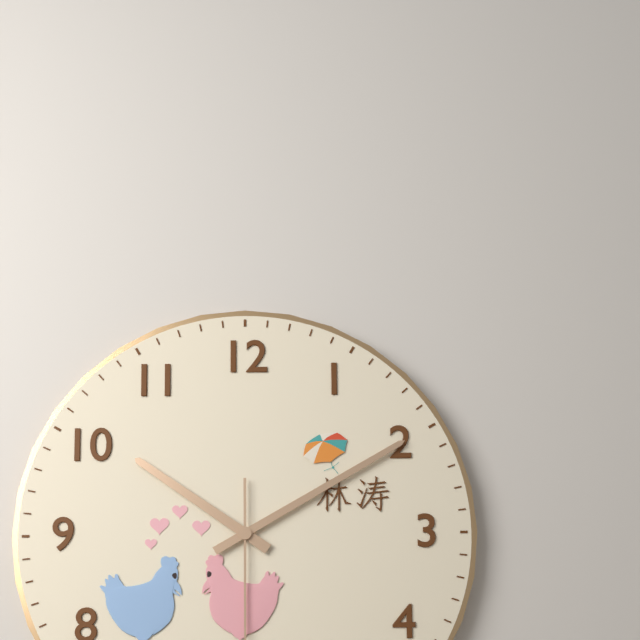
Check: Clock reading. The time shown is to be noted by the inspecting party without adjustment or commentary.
10:10
